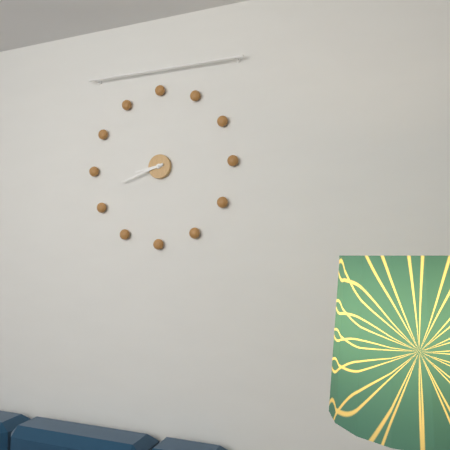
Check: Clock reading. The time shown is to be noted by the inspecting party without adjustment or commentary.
8:42
